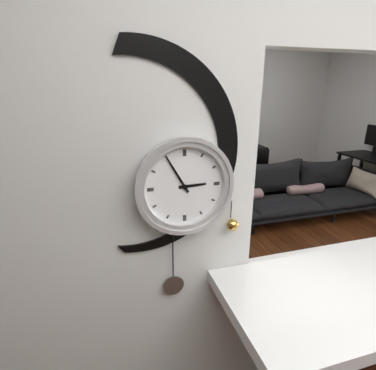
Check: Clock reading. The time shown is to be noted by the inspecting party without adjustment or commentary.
2:55
